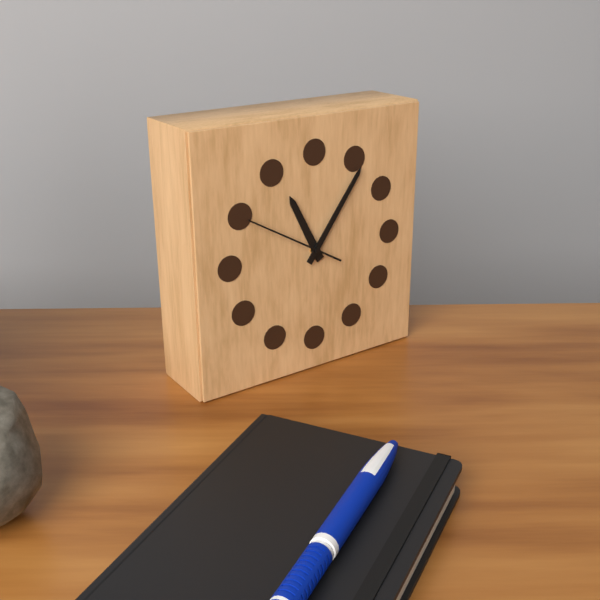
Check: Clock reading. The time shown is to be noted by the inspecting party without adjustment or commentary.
11:06:50
